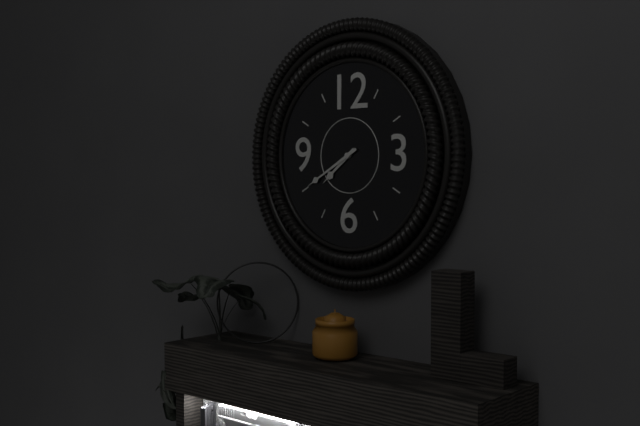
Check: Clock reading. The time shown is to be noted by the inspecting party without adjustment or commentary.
7:40
